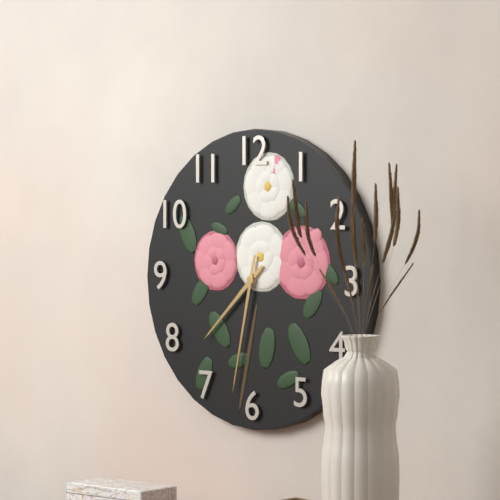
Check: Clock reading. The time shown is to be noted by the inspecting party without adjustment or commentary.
7:32
